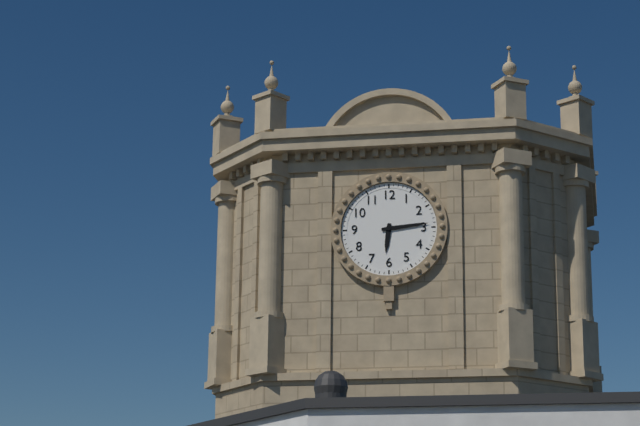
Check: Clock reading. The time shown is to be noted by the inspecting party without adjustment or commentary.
6:14
